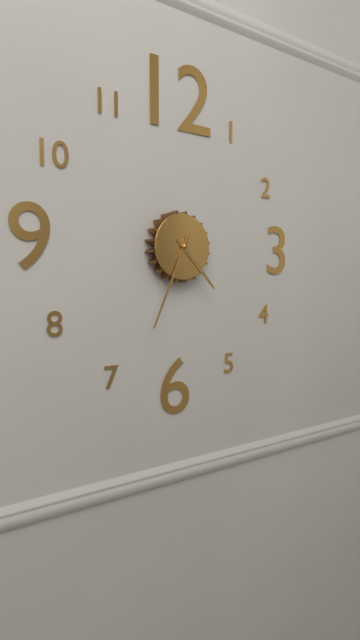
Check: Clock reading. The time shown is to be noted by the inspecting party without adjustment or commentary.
4:34
